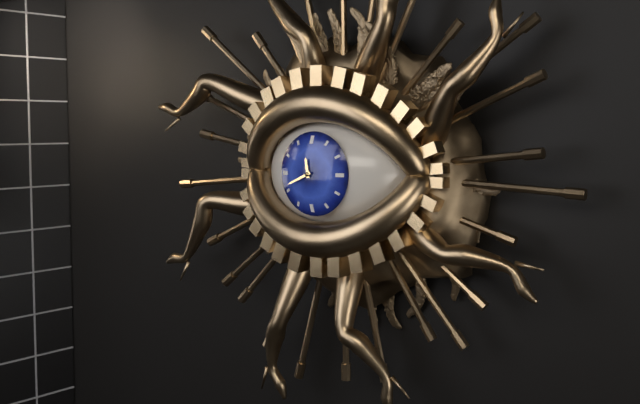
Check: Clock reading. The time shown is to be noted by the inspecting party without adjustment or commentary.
11:41
